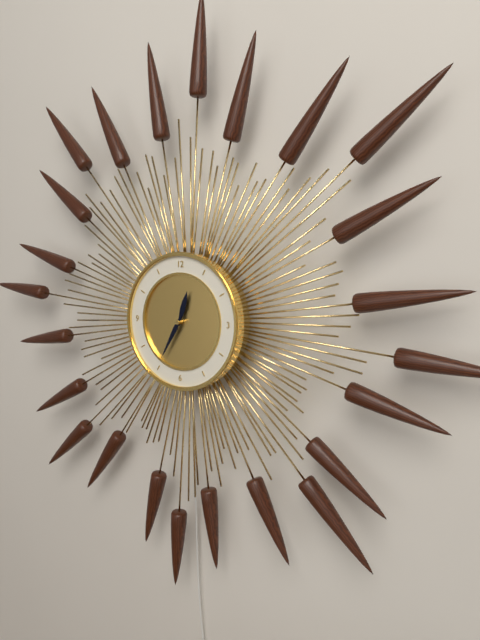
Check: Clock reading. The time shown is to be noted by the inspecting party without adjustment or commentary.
12:35
